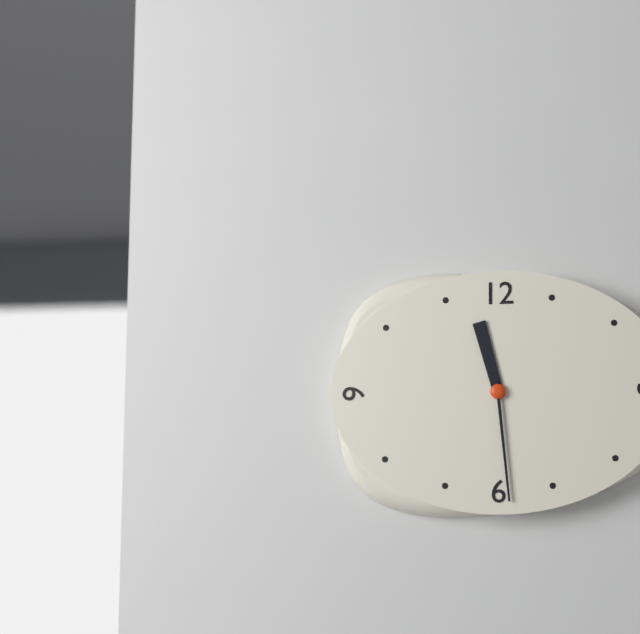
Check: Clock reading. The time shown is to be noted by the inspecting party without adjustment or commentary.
11:29
